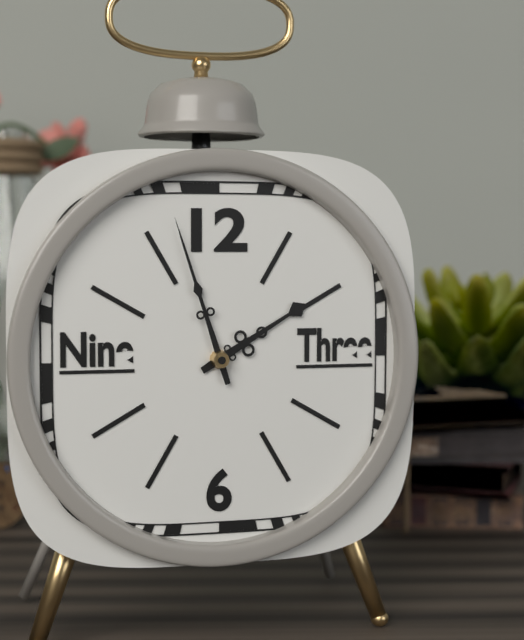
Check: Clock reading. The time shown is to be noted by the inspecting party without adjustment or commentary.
1:57
